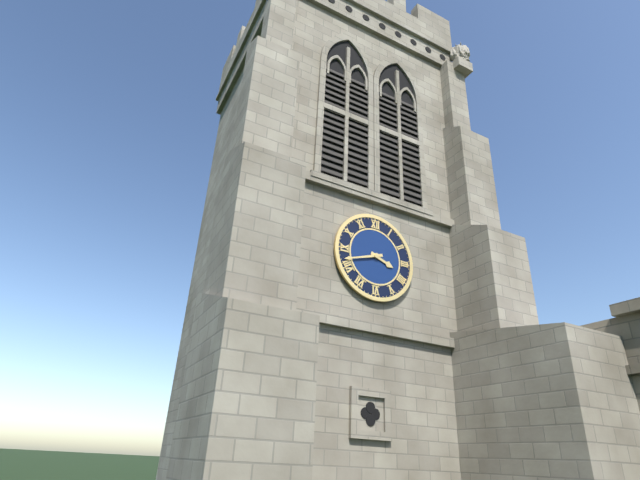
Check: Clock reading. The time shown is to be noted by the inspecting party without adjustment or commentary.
3:42
